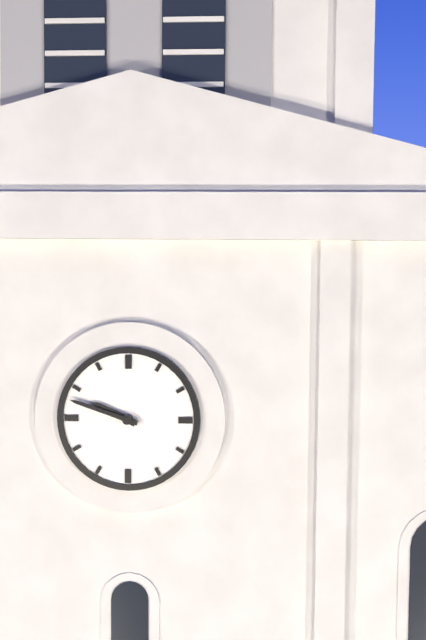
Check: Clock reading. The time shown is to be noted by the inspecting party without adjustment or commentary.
9:48
